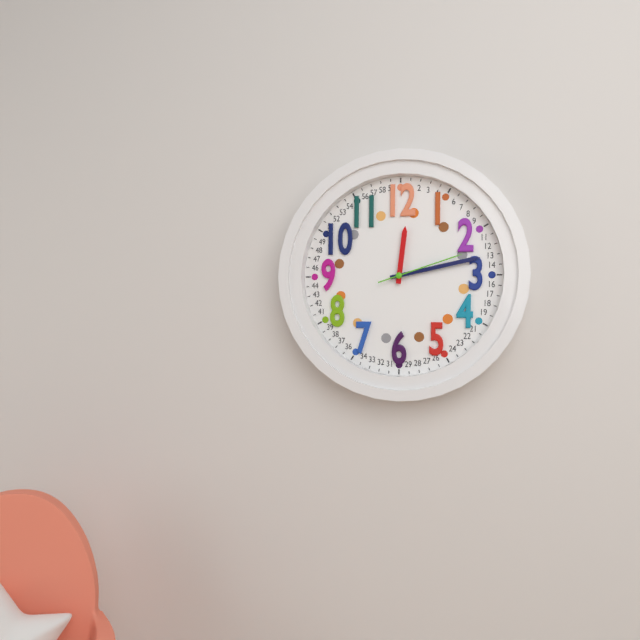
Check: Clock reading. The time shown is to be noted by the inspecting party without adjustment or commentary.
12:13:12
